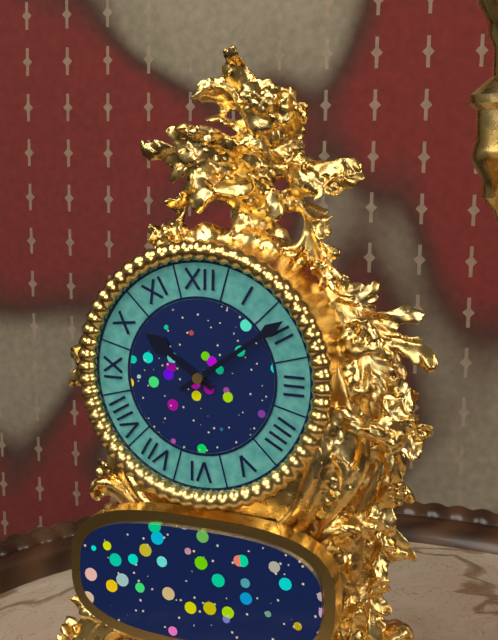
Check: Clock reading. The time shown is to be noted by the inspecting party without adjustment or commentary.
10:09
